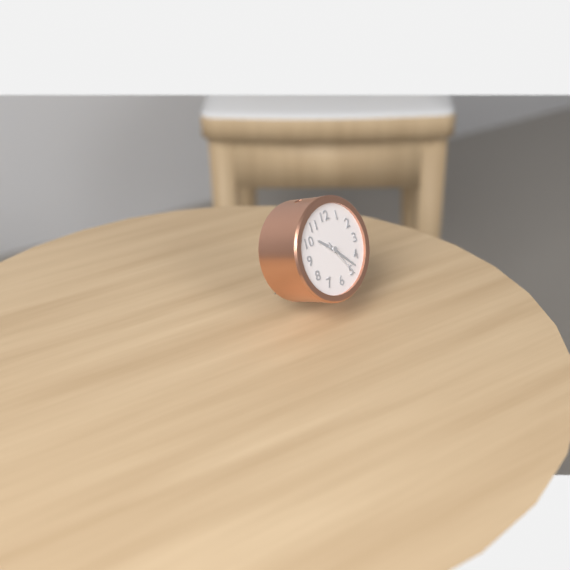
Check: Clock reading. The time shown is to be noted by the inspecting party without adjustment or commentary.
10:23
